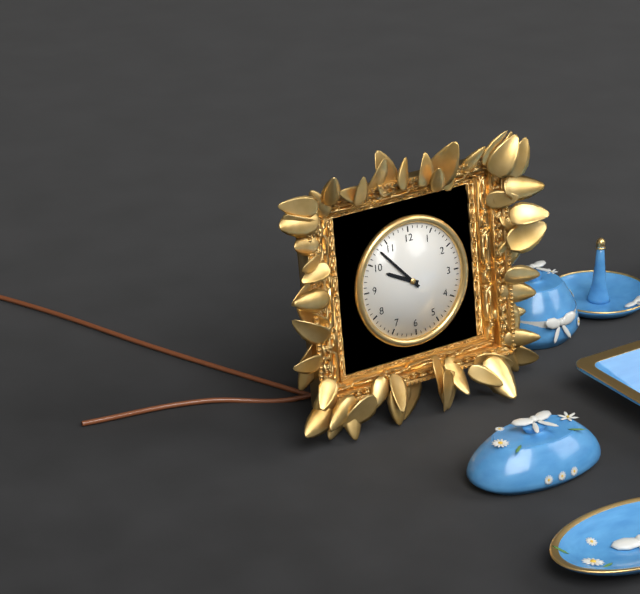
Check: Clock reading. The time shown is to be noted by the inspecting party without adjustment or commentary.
9:53
